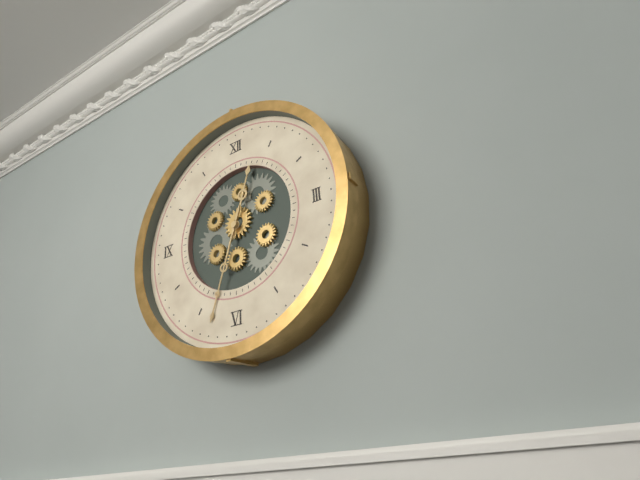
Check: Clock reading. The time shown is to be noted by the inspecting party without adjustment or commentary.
12:33
